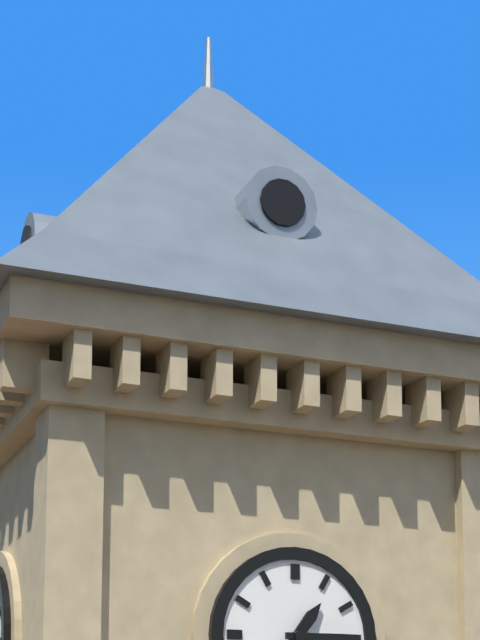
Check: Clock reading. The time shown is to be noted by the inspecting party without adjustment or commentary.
1:15
